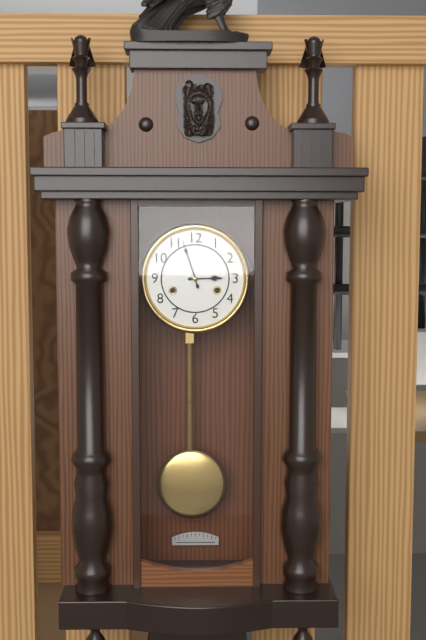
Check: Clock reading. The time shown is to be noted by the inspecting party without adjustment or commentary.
2:57
